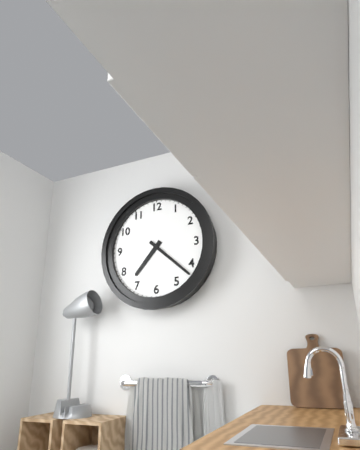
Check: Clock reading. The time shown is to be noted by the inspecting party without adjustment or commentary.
7:22
